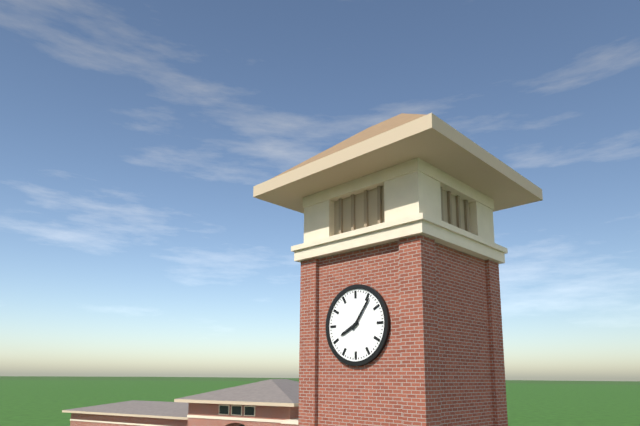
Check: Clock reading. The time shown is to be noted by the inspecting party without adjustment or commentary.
8:06
